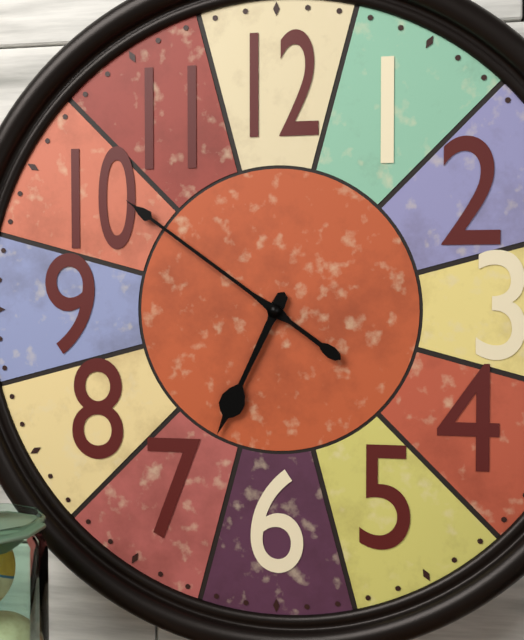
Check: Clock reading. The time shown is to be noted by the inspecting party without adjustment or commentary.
6:51
